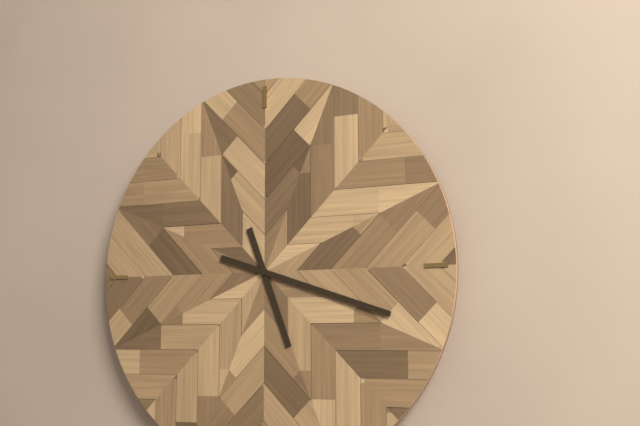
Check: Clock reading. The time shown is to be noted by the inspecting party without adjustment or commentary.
5:18
